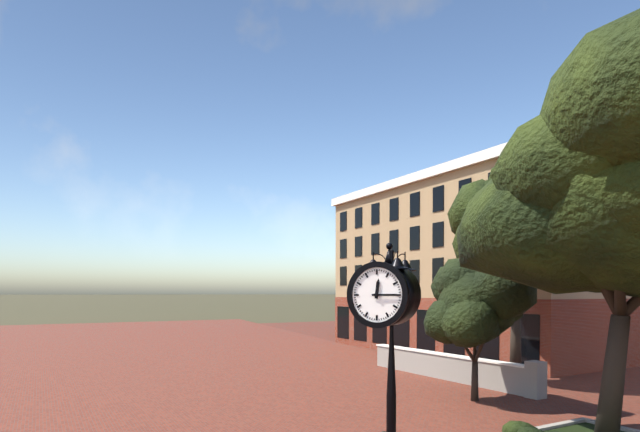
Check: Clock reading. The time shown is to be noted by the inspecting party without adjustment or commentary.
12:15
